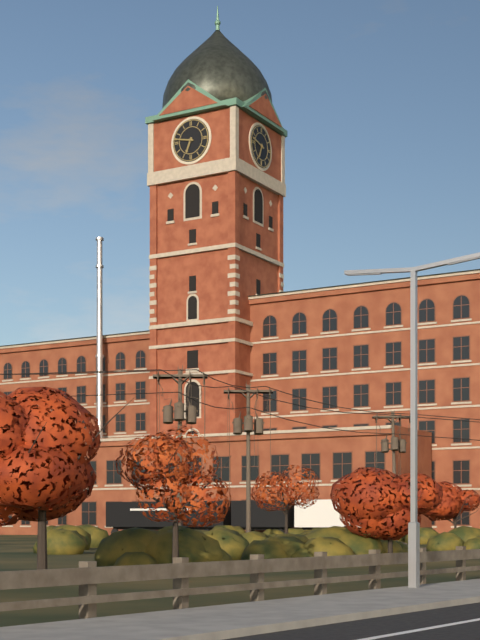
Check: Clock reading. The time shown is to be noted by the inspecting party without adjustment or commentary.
6:47
